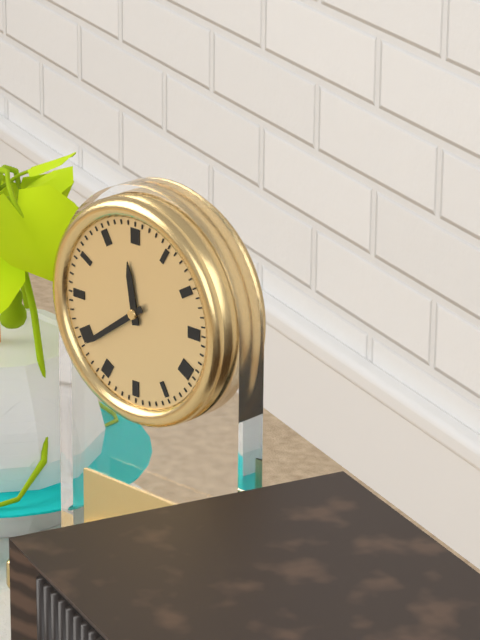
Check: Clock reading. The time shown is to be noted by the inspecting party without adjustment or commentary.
11:39
